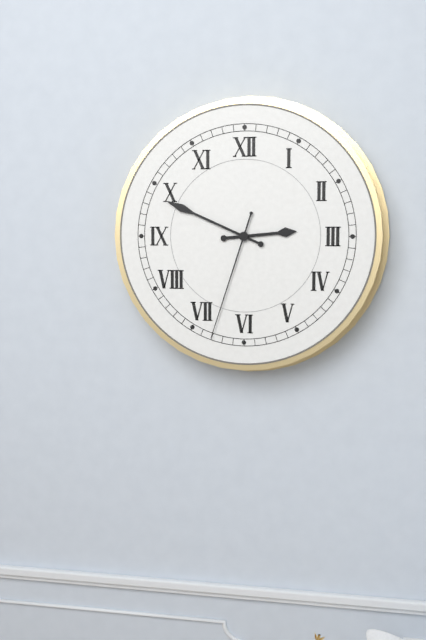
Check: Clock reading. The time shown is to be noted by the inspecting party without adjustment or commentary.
2:49:33
